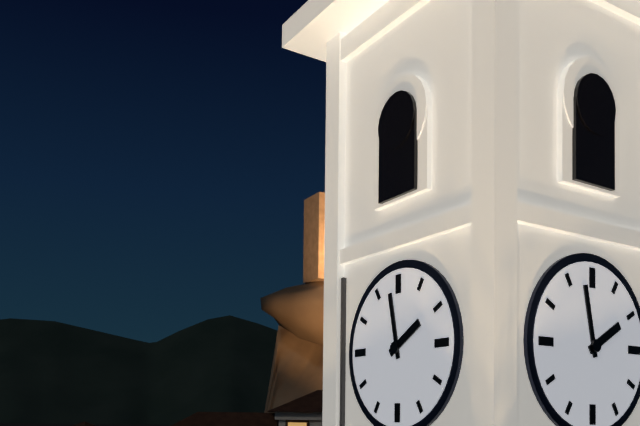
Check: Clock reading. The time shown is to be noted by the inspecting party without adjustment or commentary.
1:58
